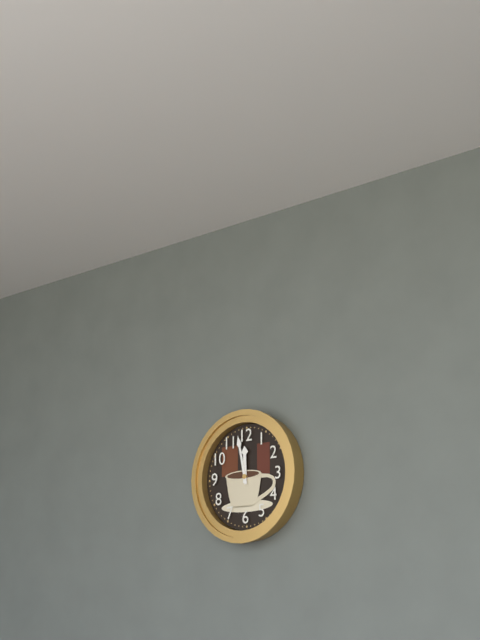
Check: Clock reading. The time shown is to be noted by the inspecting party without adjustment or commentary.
11:58
